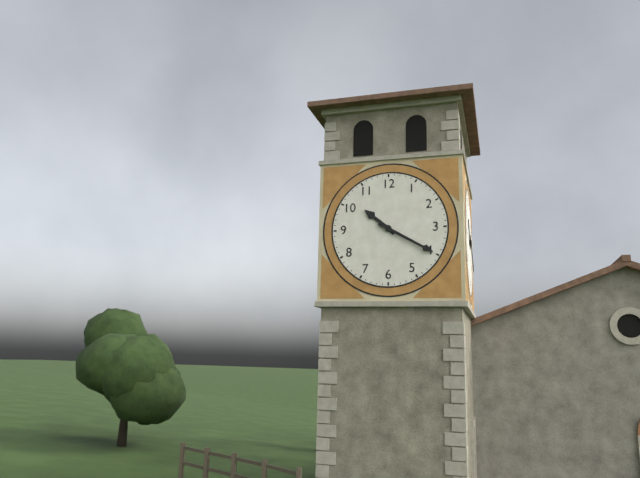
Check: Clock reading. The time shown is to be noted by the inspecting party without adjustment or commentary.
10:20
